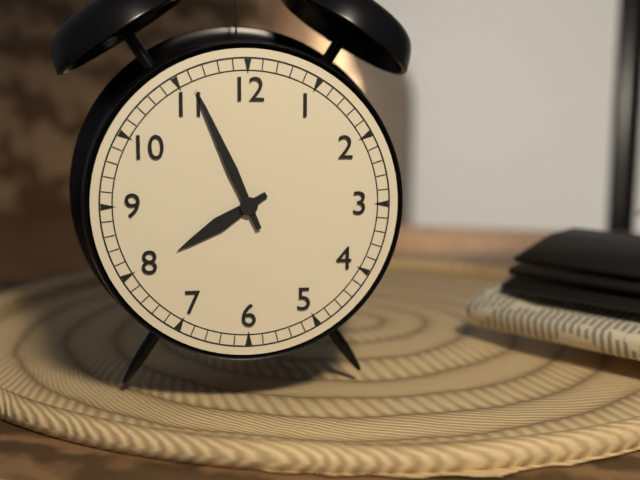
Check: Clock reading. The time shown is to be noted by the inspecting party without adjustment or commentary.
7:56
